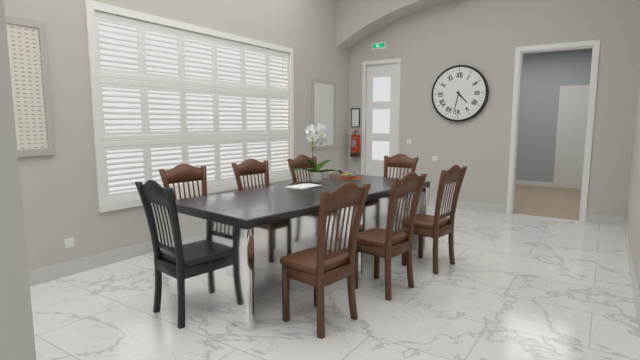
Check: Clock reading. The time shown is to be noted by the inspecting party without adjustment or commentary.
4:32
